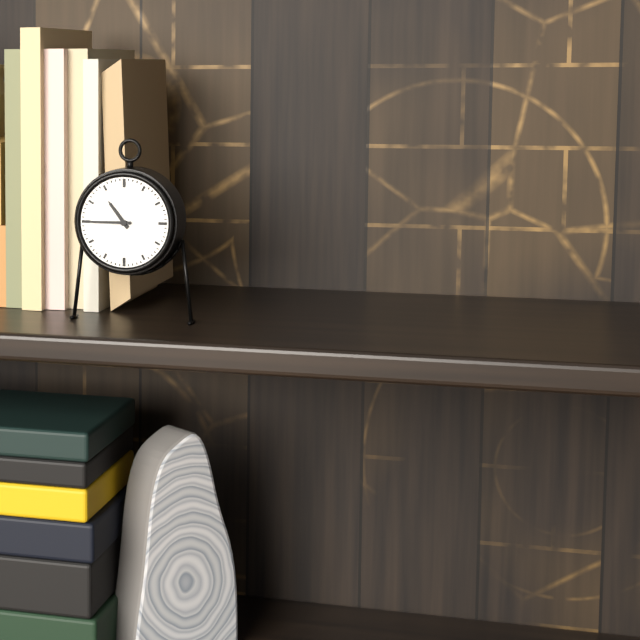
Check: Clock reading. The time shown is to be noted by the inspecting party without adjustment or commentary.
10:45
